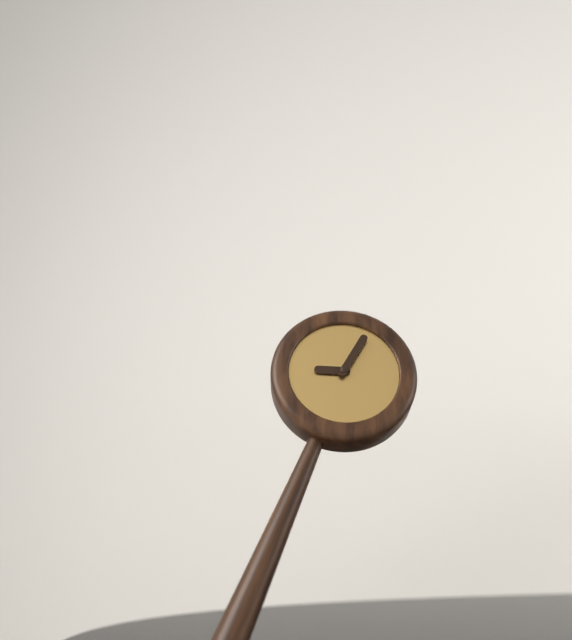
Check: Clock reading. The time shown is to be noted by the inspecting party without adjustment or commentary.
9:05
